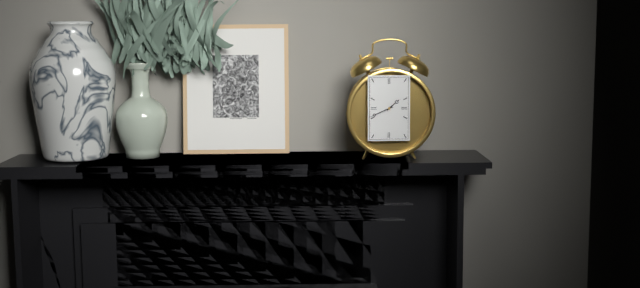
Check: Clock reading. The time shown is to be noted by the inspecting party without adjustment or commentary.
1:41
